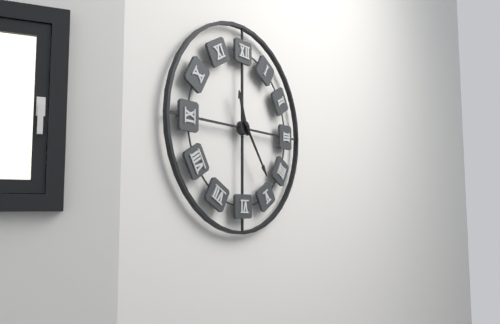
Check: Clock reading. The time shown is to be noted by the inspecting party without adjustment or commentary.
11:24
